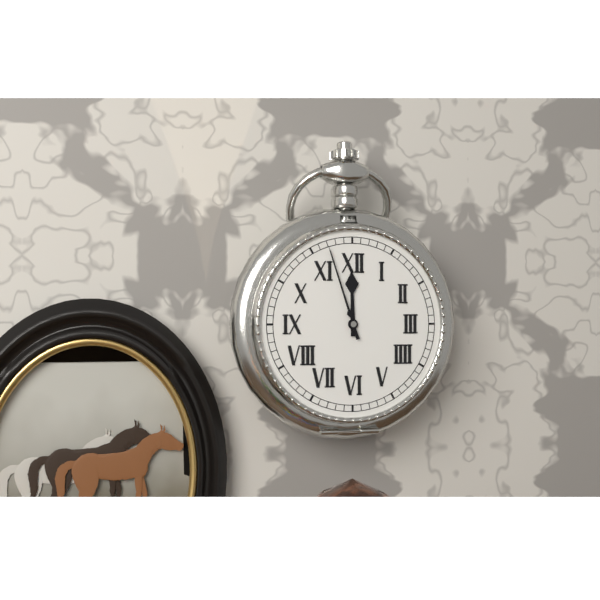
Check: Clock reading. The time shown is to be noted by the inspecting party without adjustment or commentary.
11:57
